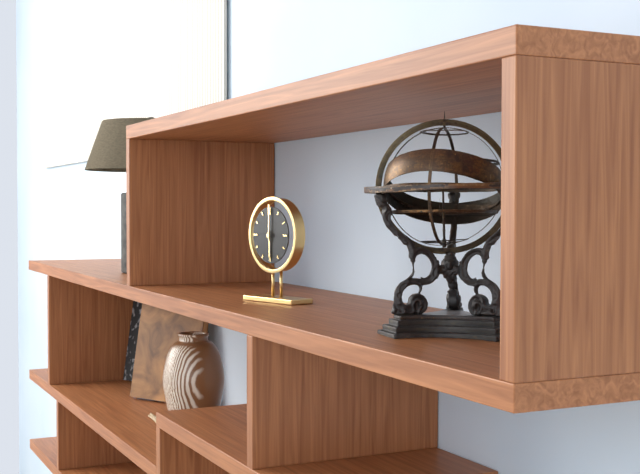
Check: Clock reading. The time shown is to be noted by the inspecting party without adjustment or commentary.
6:00
